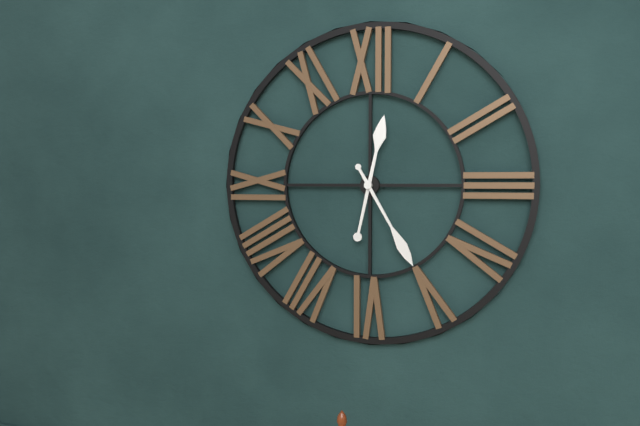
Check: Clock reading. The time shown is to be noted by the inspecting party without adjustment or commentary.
12:25
